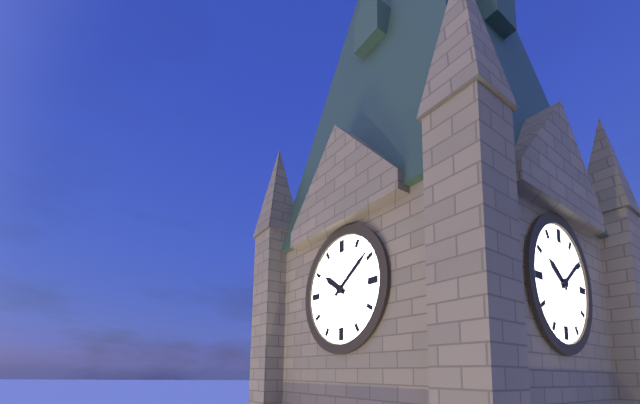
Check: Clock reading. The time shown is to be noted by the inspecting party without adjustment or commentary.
10:09
